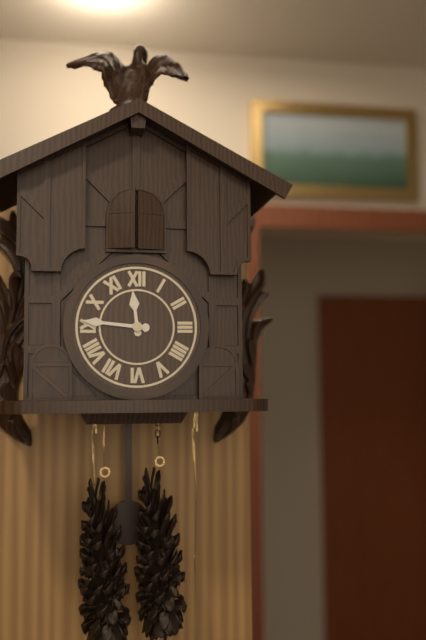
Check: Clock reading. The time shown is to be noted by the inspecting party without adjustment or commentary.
11:46
